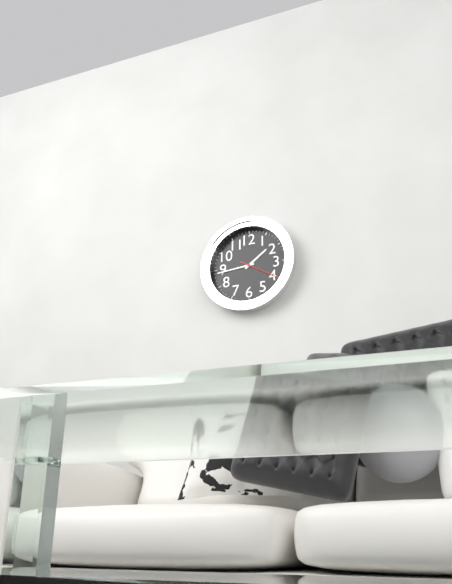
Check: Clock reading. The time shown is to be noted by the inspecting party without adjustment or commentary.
1:44
